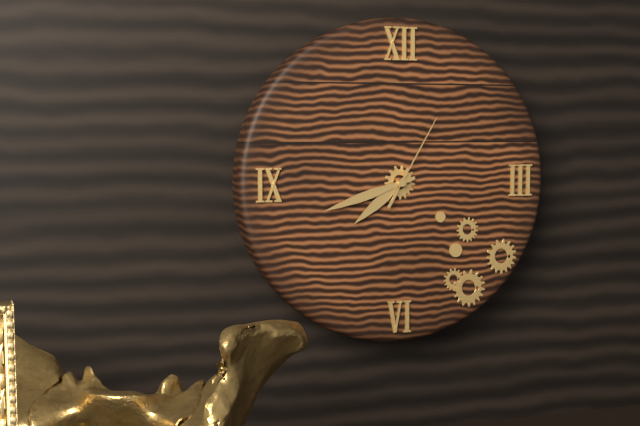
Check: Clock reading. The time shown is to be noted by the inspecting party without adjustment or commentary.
7:42:05
